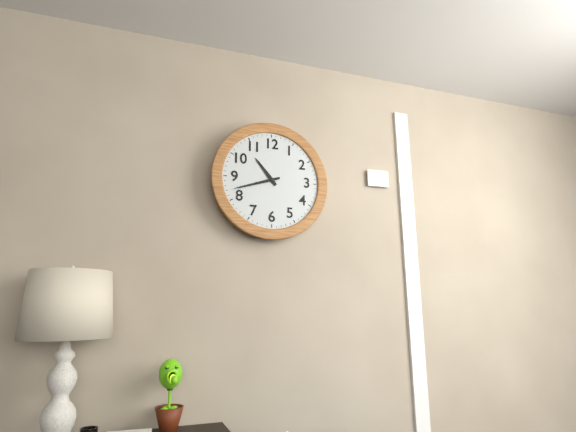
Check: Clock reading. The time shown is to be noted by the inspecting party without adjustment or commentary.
10:42
